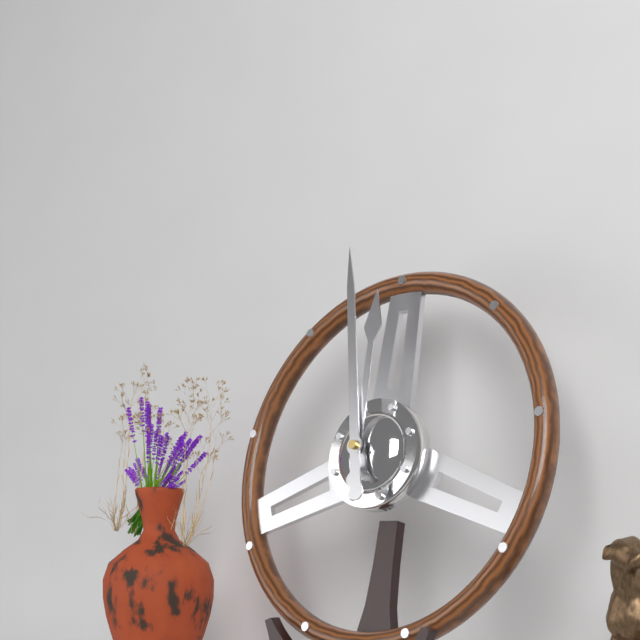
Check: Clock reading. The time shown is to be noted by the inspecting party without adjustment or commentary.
11:58
